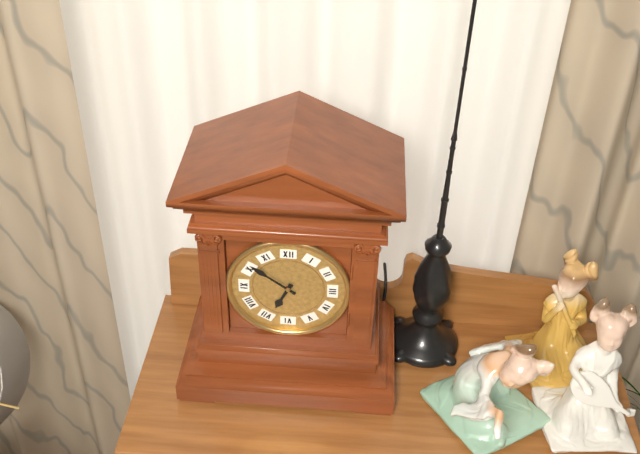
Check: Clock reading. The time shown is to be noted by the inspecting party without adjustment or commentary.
6:51
